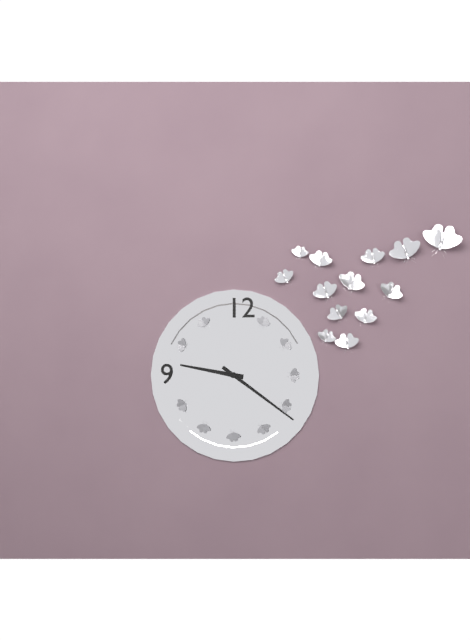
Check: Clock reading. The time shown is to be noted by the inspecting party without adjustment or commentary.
9:21
